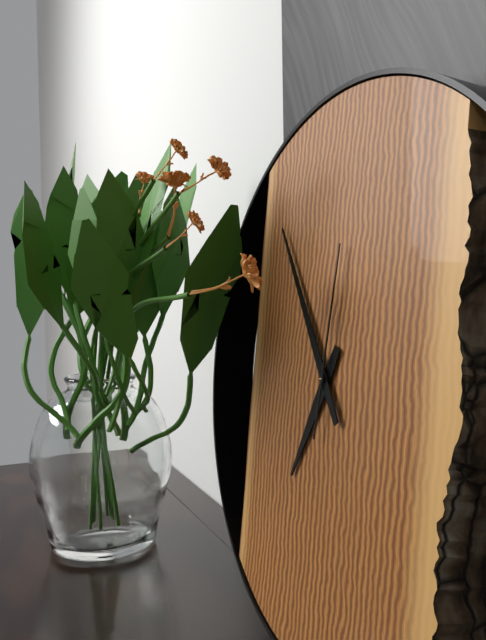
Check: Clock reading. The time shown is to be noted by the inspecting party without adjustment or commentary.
6:54:01
